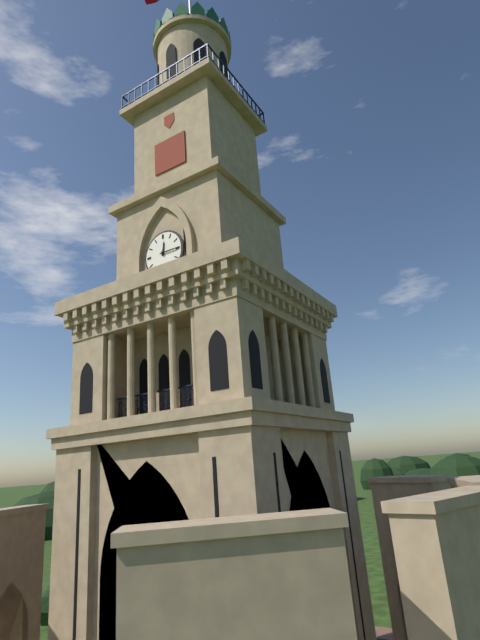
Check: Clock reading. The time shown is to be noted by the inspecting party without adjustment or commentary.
12:15
